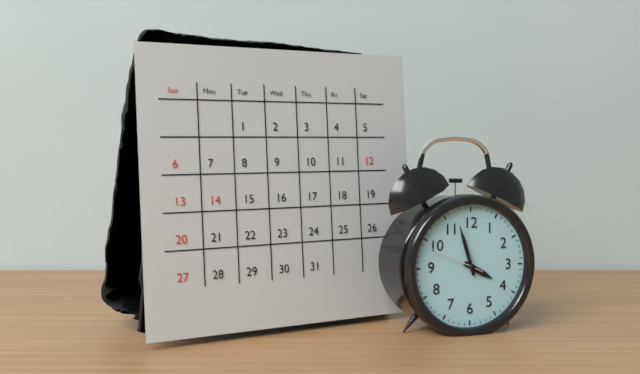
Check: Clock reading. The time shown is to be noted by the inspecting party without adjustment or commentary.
3:57:49
